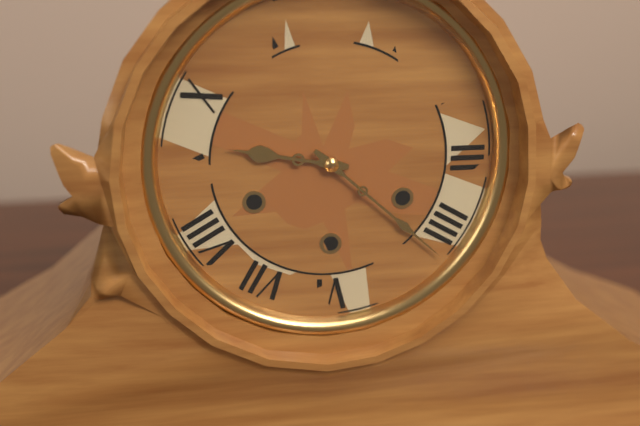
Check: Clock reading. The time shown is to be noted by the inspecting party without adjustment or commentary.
9:22
